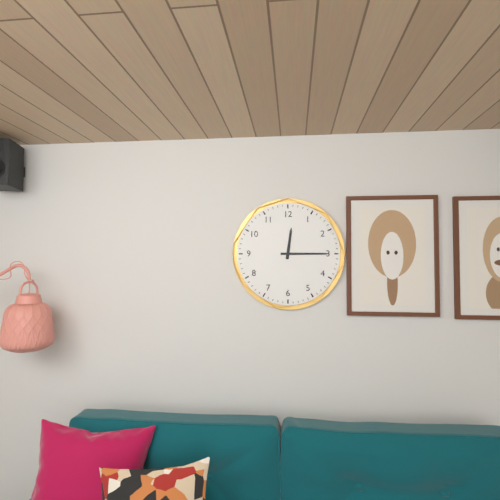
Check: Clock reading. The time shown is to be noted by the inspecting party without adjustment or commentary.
12:15
